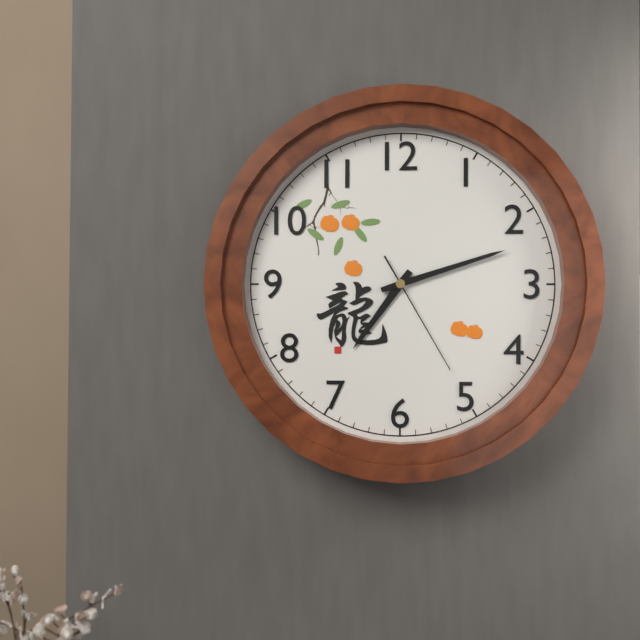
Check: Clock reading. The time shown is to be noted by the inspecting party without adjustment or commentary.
7:12:25
